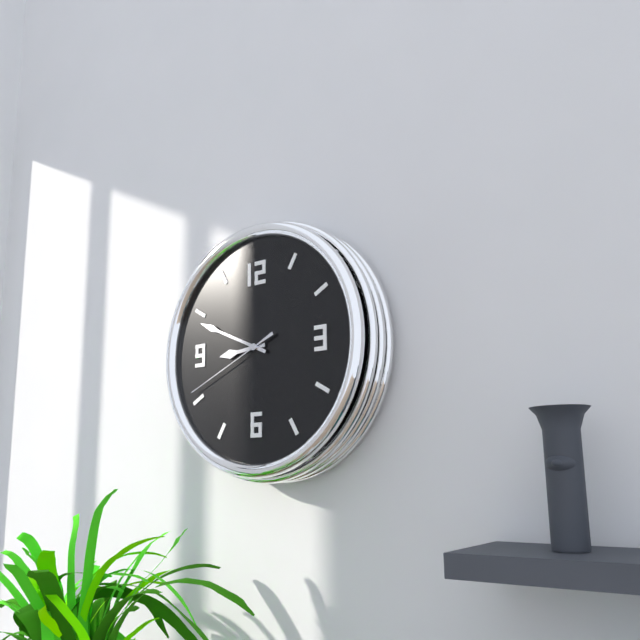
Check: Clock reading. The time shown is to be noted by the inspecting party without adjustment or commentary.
8:49:41
